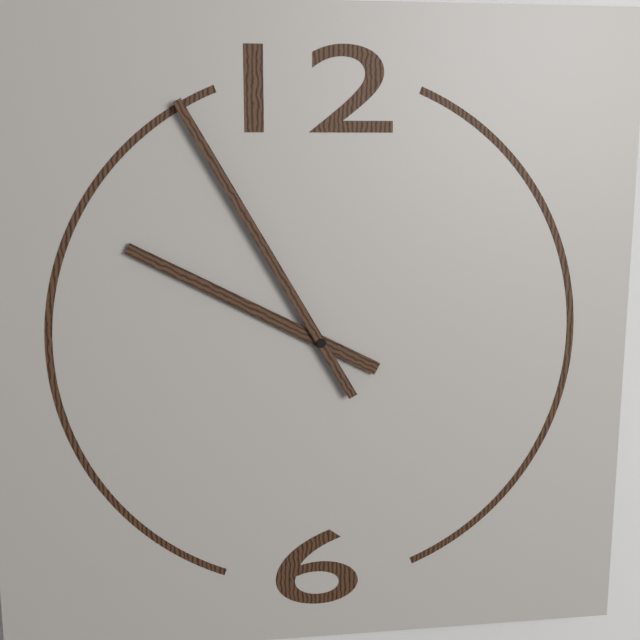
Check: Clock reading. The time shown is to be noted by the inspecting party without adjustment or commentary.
9:55
